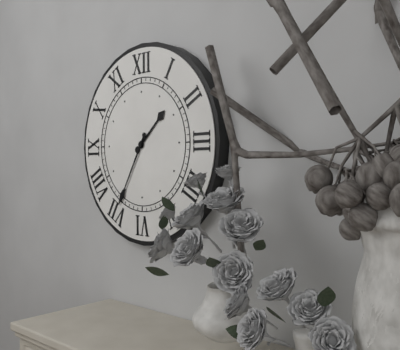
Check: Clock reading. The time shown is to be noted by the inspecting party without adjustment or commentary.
1:35
